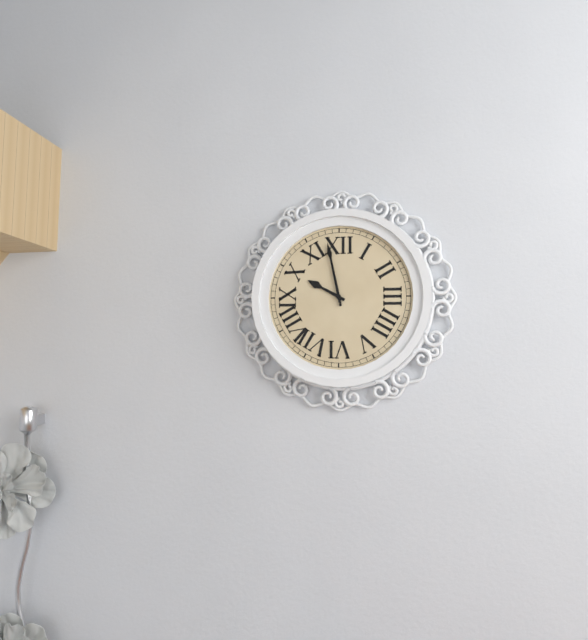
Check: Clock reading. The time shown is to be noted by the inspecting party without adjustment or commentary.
9:58
